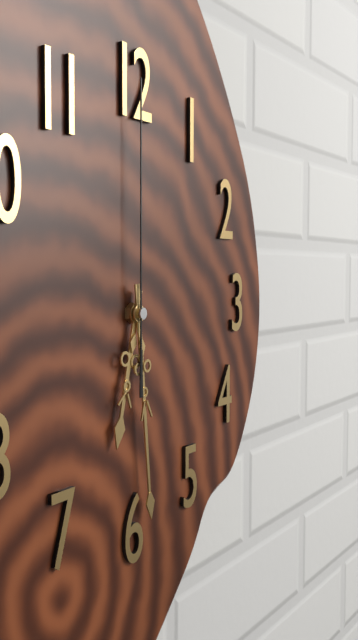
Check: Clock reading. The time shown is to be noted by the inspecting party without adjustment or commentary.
6:29:00
